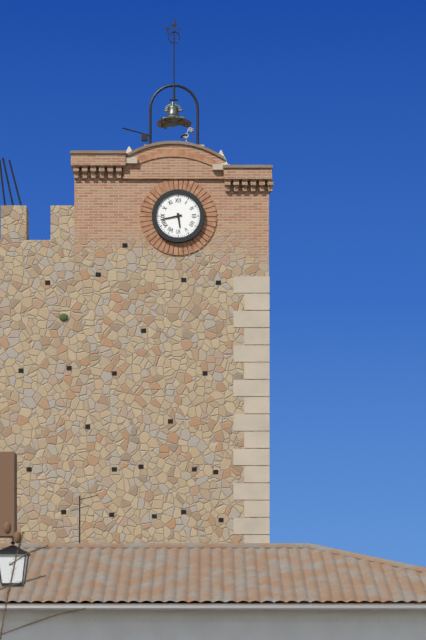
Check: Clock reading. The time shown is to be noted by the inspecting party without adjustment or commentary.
5:43
